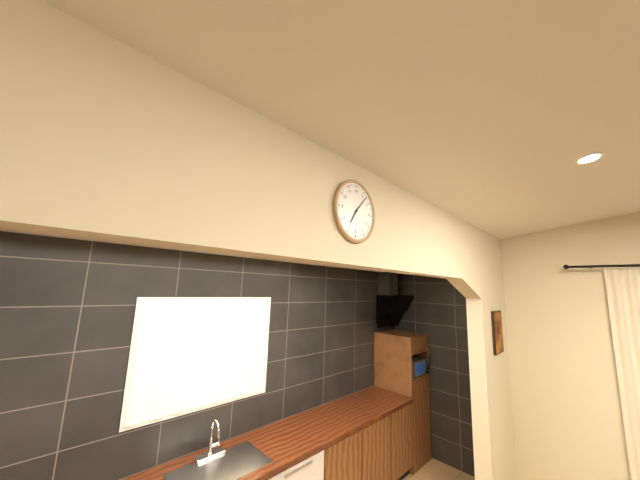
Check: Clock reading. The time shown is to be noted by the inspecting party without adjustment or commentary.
7:07
